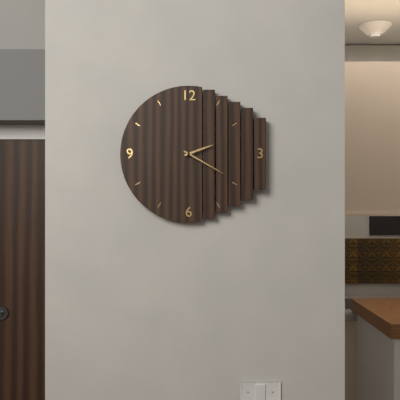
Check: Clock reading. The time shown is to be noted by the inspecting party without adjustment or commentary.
2:20
